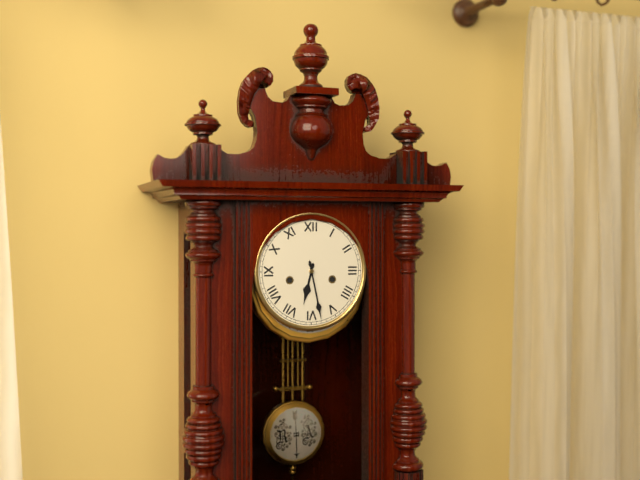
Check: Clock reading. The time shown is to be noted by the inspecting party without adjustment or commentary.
6:28
